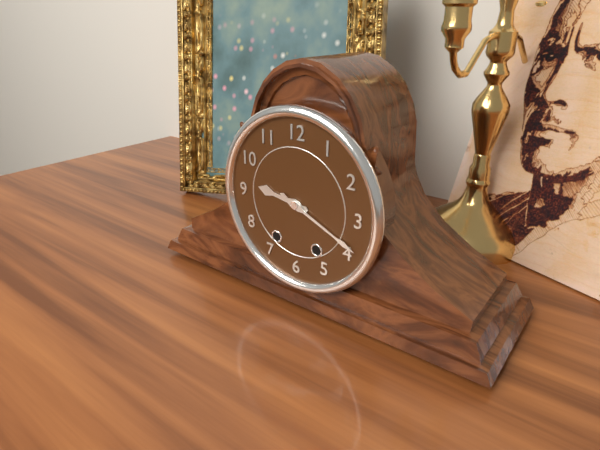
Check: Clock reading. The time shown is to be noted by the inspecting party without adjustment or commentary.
9:19
